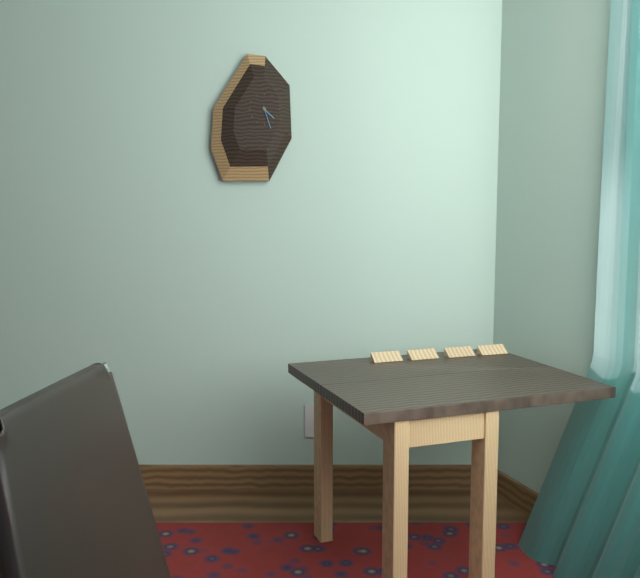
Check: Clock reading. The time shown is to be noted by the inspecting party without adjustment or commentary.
4:27
